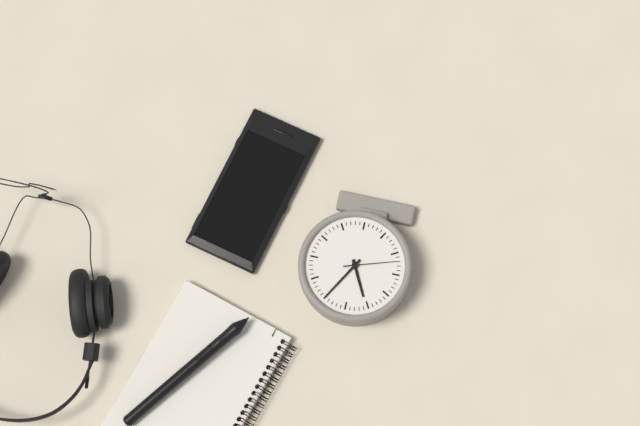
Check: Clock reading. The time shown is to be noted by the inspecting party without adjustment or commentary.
11:05:42
